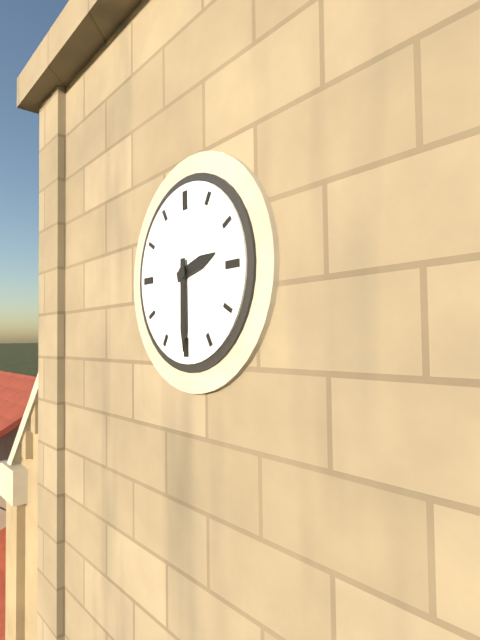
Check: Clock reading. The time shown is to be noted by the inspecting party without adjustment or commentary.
2:30
